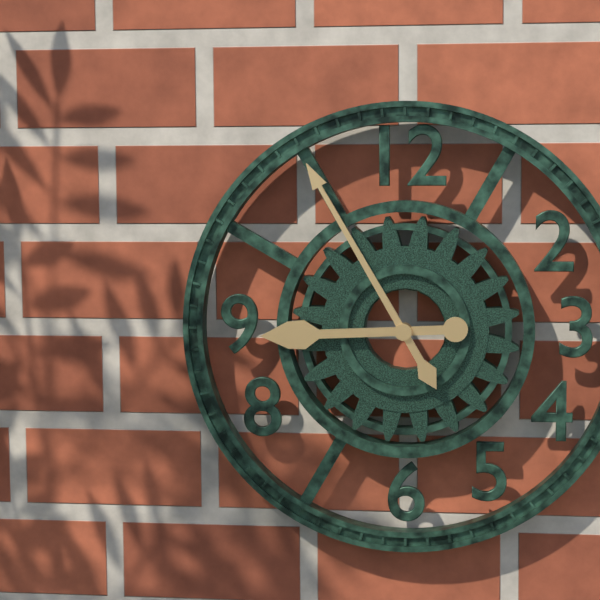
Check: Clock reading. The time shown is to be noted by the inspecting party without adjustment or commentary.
8:55
